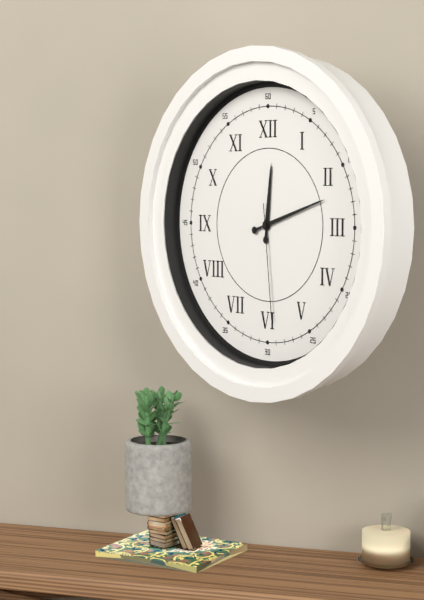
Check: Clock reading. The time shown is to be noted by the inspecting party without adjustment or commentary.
12:12:29
